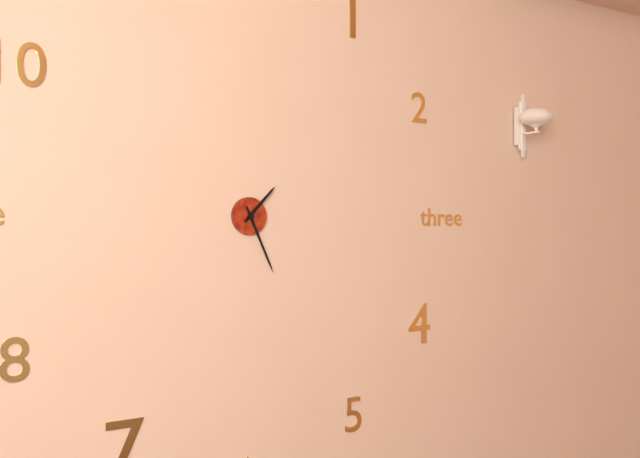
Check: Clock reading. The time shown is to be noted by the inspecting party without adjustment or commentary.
1:26
